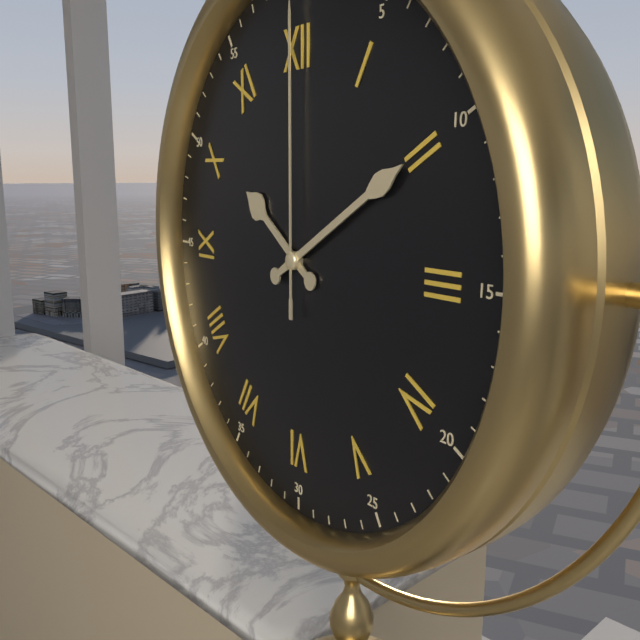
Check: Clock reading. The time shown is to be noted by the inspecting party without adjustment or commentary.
10:10
